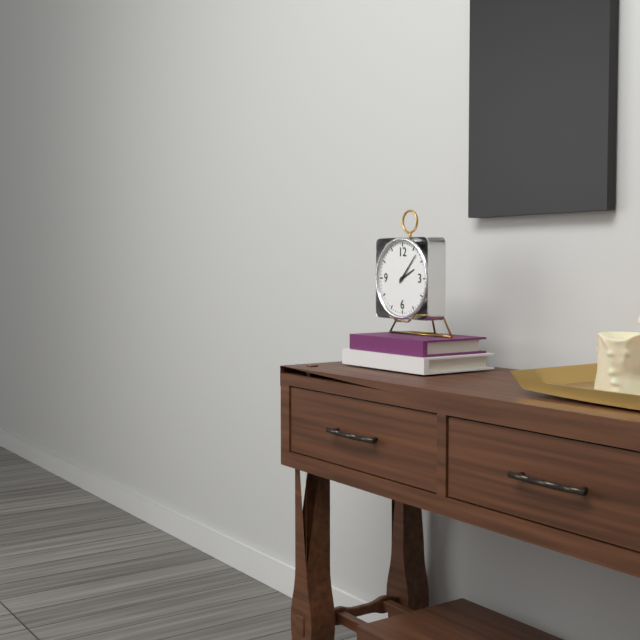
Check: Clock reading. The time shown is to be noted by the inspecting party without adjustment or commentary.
2:07
